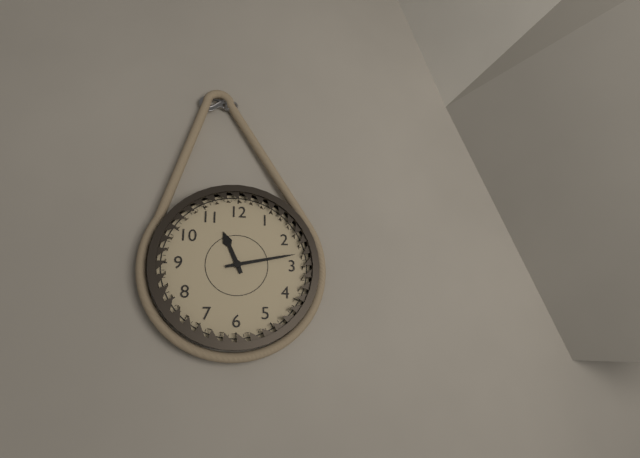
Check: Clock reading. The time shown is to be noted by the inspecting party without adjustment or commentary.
11:13
